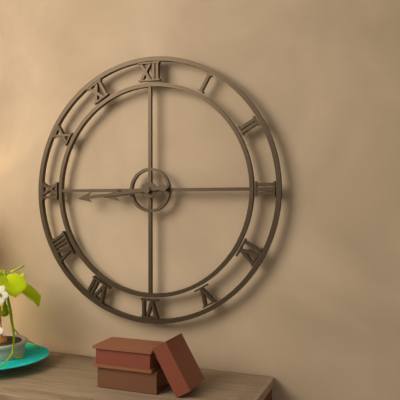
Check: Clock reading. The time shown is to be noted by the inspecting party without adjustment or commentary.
8:44
